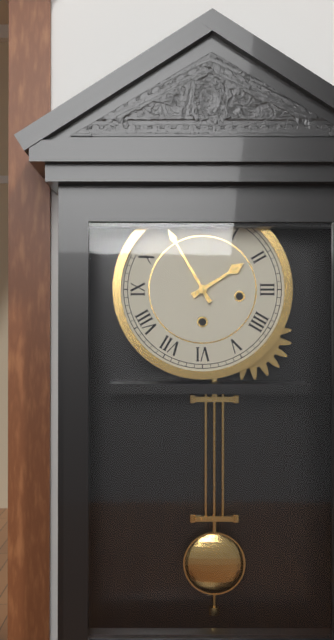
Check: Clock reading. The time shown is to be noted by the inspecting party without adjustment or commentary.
1:55
